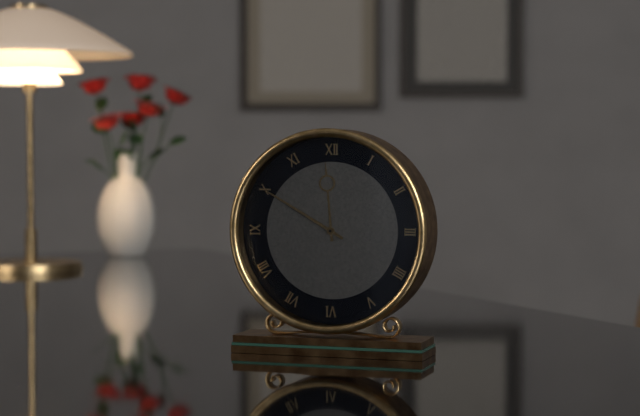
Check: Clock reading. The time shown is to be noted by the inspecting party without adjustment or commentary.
11:50
